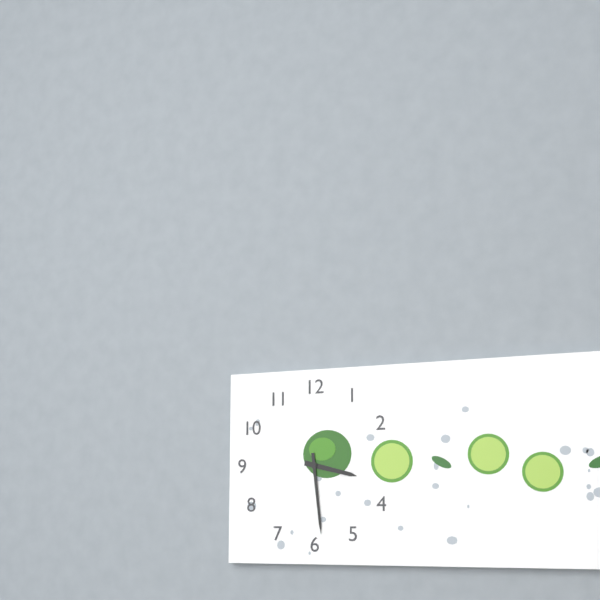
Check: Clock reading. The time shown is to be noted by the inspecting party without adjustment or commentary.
3:29
